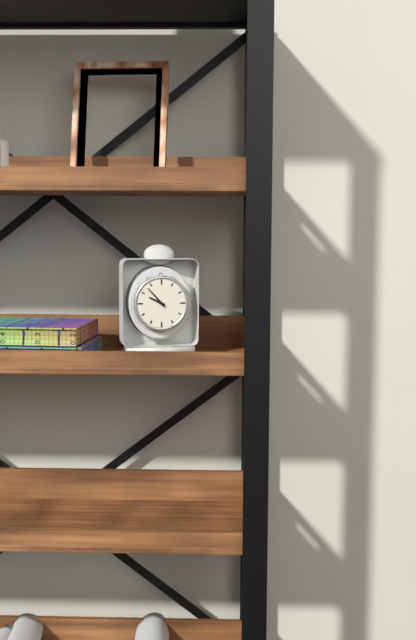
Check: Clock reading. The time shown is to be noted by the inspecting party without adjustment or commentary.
9:53
